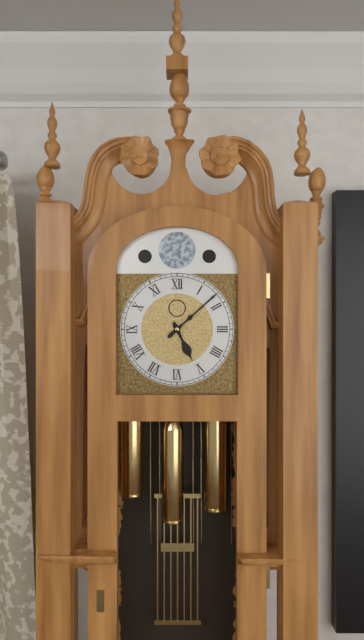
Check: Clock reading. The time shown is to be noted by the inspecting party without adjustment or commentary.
5:08
